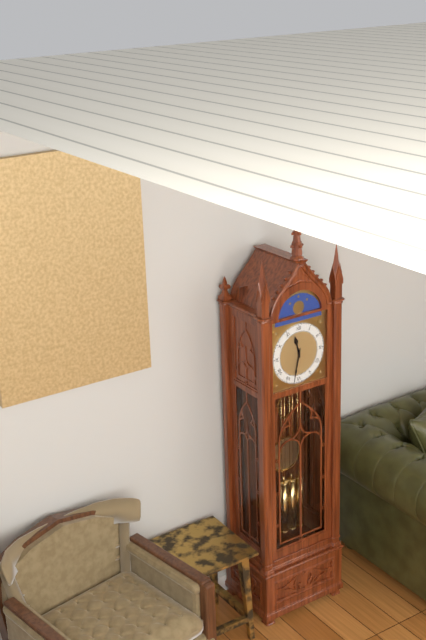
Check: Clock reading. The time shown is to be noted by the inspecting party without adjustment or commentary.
11:32
